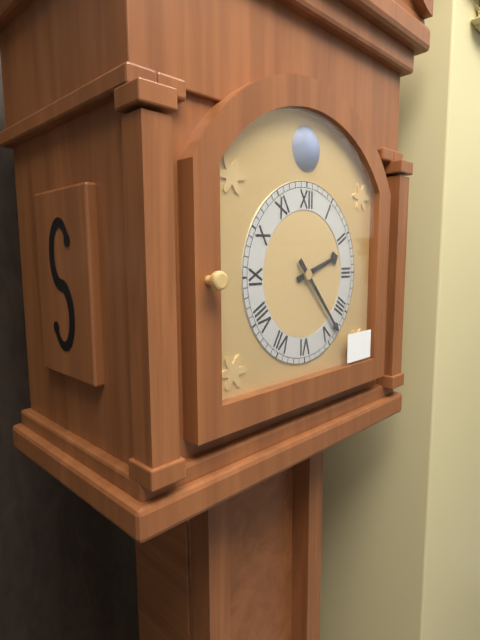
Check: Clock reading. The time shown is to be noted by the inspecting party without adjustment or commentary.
2:23
